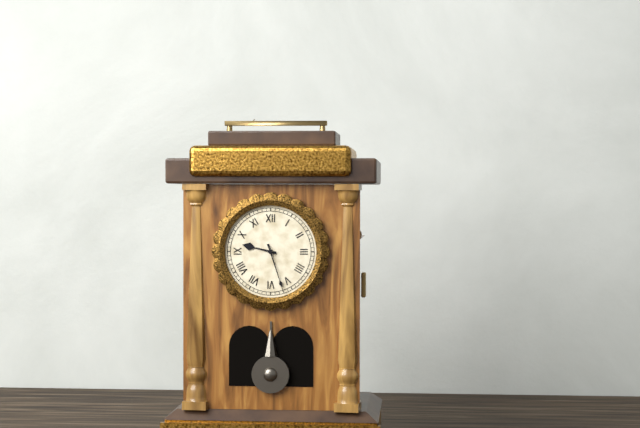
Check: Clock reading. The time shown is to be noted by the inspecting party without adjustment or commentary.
9:27
